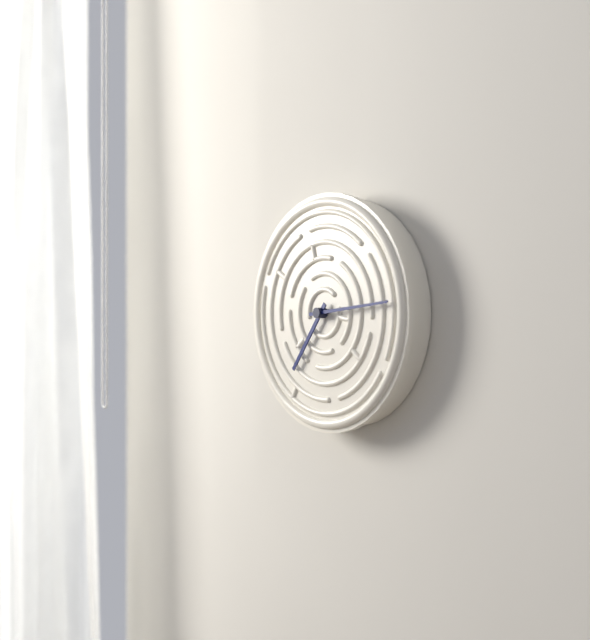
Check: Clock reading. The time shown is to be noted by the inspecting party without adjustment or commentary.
7:14
